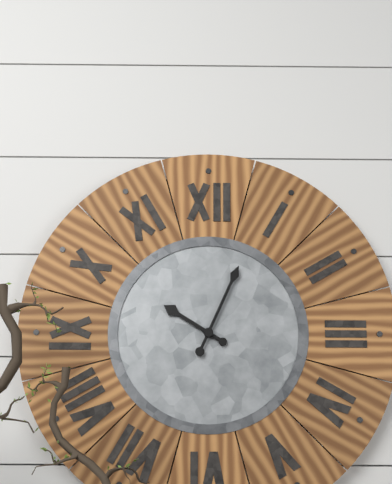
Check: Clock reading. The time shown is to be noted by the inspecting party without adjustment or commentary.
10:04
